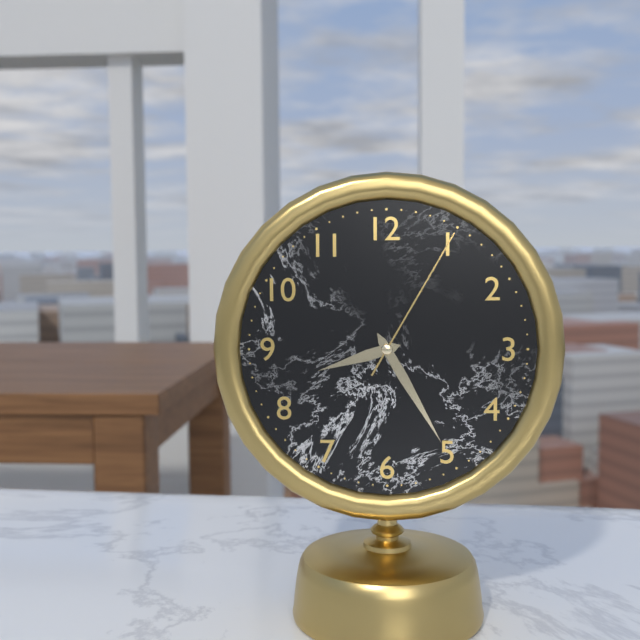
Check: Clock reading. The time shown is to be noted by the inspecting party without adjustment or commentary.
8:25:05
